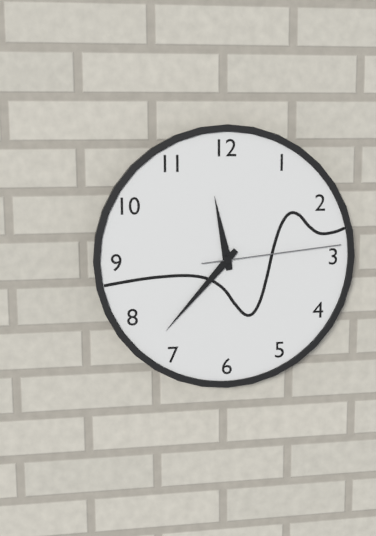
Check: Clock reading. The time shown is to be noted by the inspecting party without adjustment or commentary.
11:37:14
